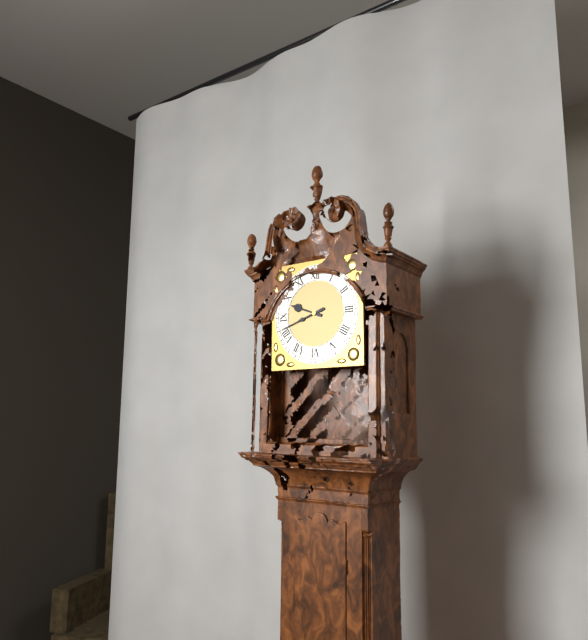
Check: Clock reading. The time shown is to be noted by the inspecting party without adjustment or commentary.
9:42
